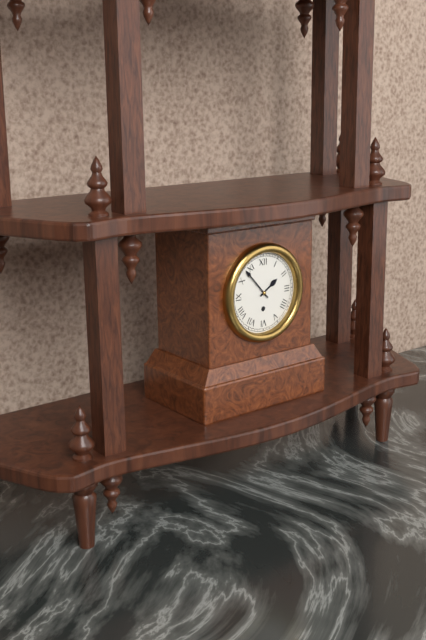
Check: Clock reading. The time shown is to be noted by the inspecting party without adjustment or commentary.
1:53
